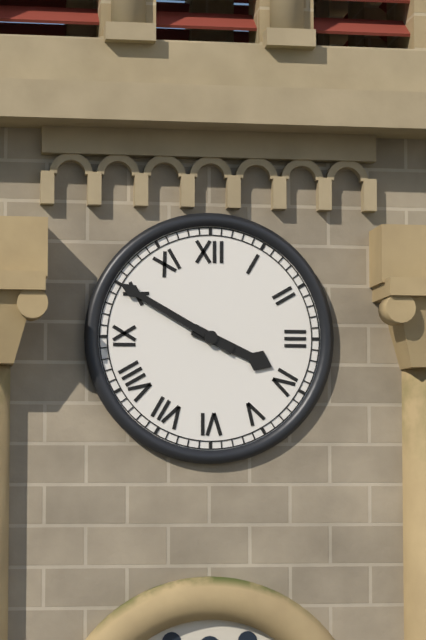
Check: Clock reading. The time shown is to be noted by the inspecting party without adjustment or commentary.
3:50
